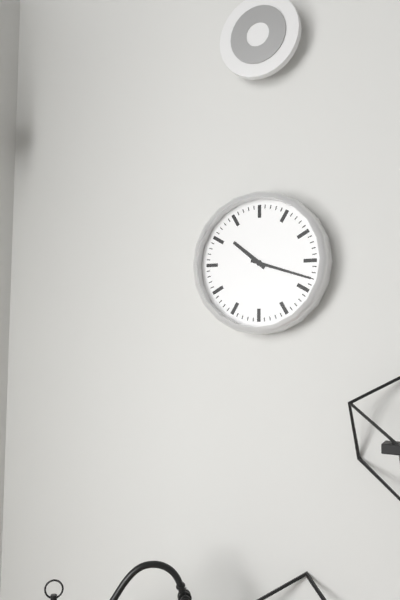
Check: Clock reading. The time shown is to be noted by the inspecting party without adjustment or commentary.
10:18
